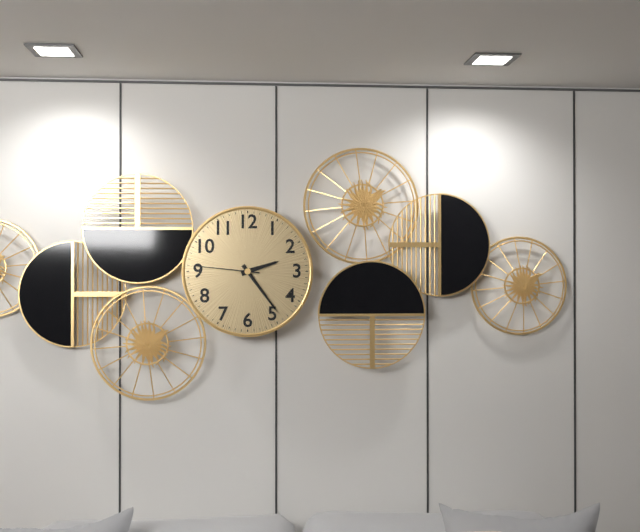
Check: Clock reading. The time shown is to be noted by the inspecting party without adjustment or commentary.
2:24:46
